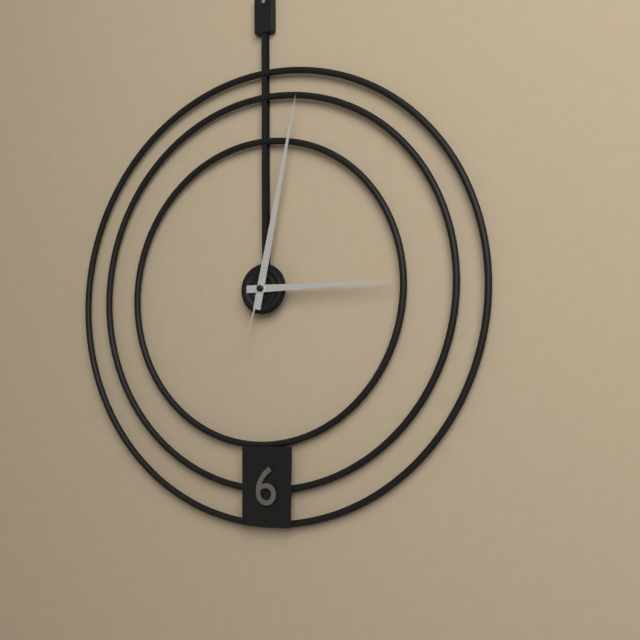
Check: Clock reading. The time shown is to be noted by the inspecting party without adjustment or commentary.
3:02:33
